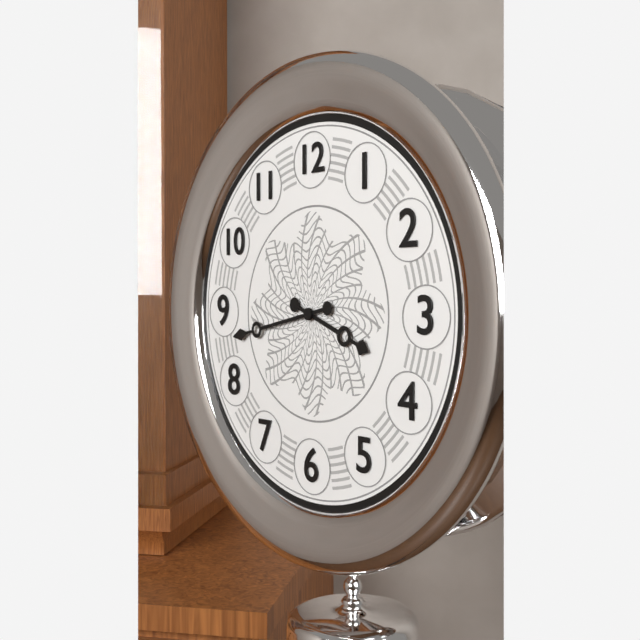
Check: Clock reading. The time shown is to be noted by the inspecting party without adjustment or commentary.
3:43
